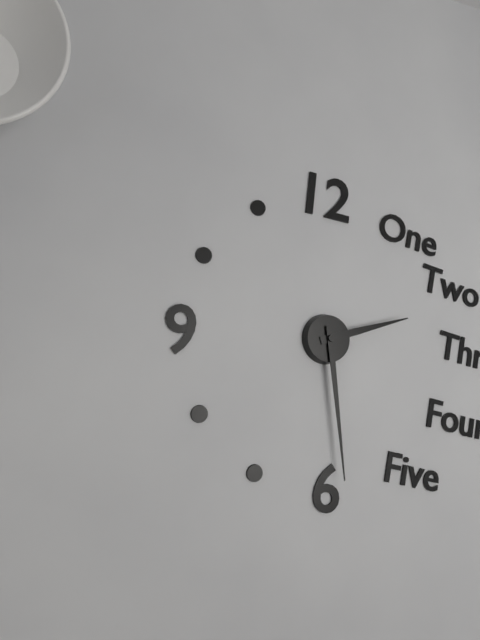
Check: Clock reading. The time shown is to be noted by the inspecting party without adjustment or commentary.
2:29
